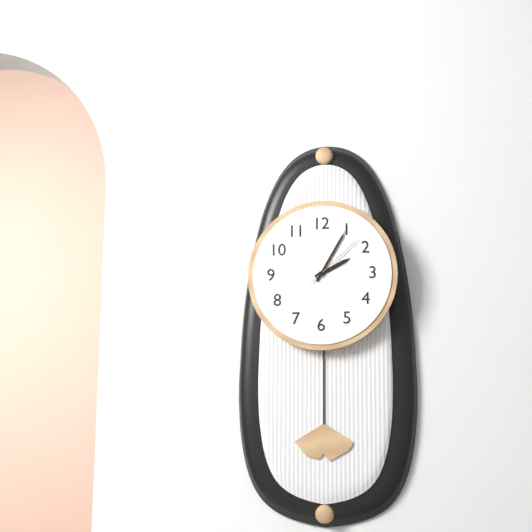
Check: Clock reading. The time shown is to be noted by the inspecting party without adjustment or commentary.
2:05:08
